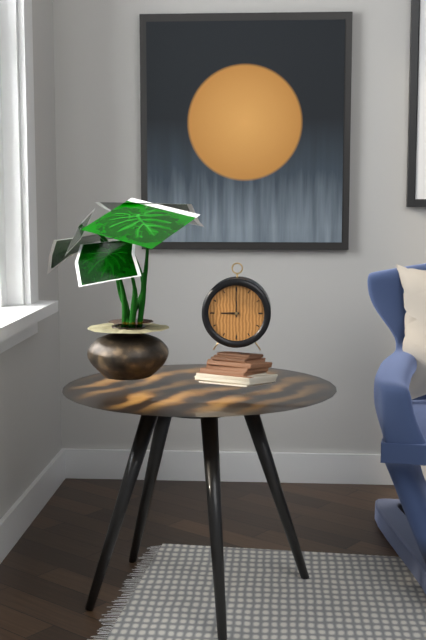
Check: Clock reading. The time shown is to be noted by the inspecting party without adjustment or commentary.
9:00
